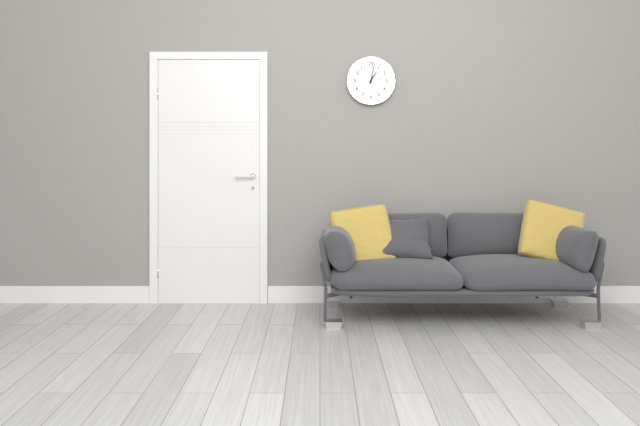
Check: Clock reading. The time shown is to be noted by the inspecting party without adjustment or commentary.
1:02
